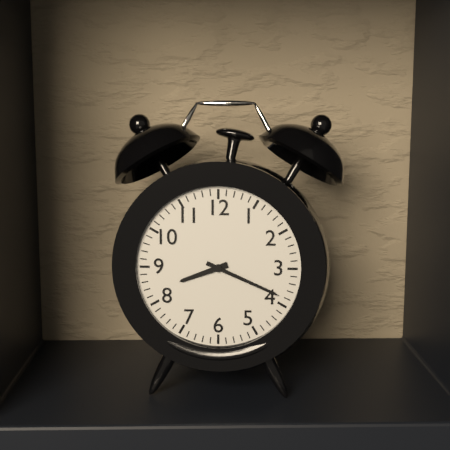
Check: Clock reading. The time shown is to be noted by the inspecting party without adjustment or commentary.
8:19
